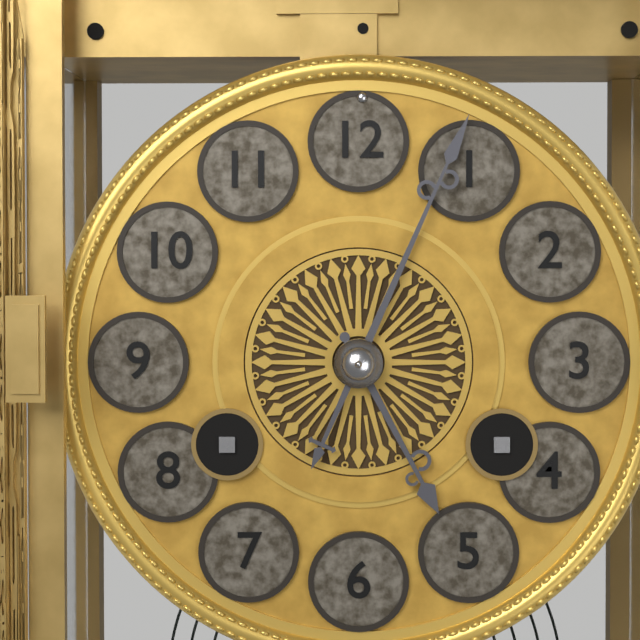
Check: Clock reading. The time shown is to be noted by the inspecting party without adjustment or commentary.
5:04
